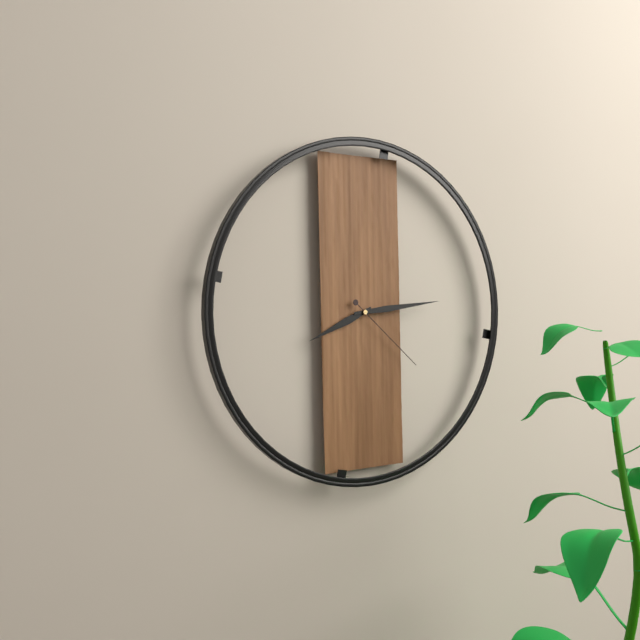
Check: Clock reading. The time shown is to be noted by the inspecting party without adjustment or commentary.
8:14:22
